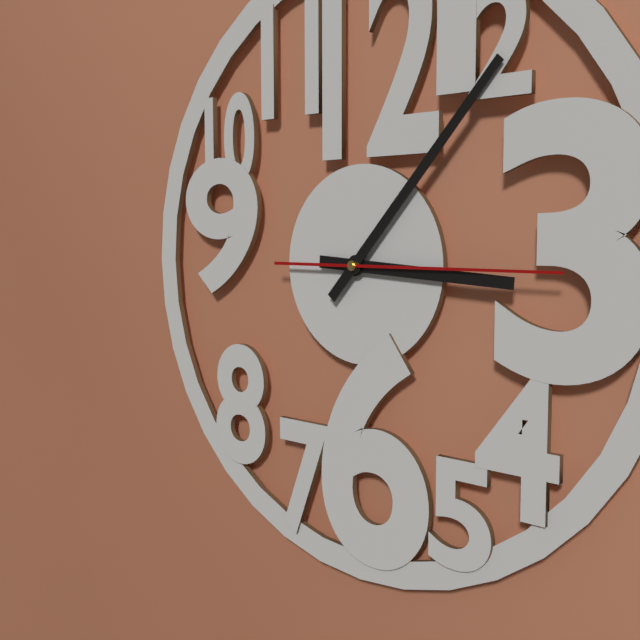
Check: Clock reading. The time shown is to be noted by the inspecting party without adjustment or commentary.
3:07:15
